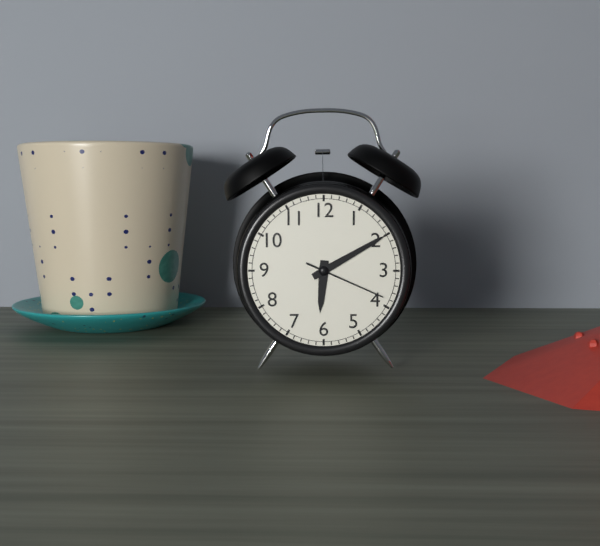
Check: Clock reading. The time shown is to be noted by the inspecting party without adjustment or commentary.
6:10:19
